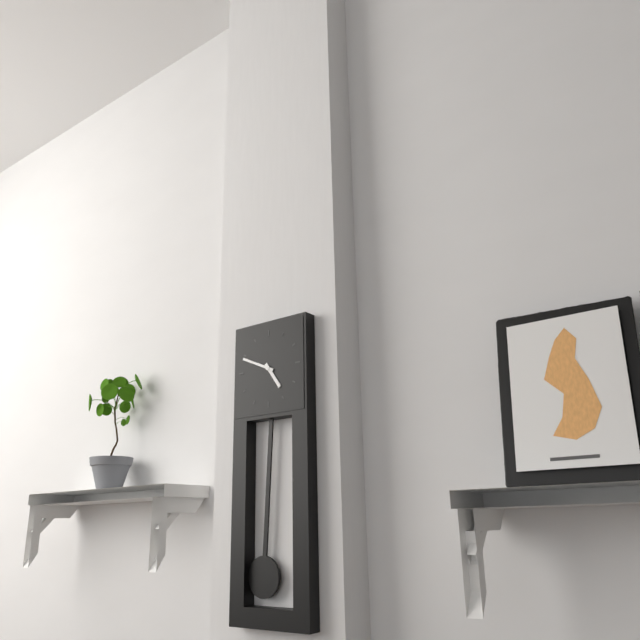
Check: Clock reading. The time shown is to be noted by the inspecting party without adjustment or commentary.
4:49
